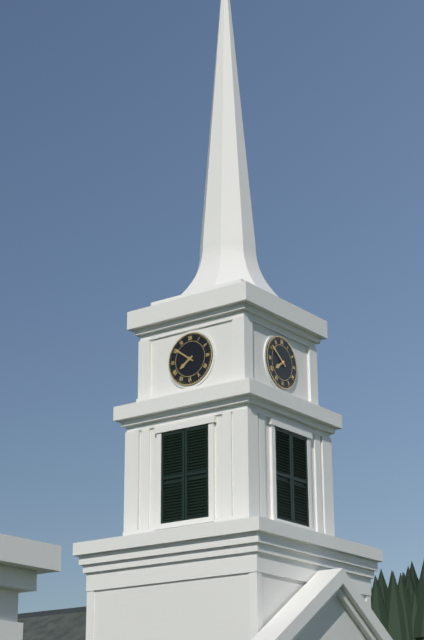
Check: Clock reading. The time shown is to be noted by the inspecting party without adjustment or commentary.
7:51
